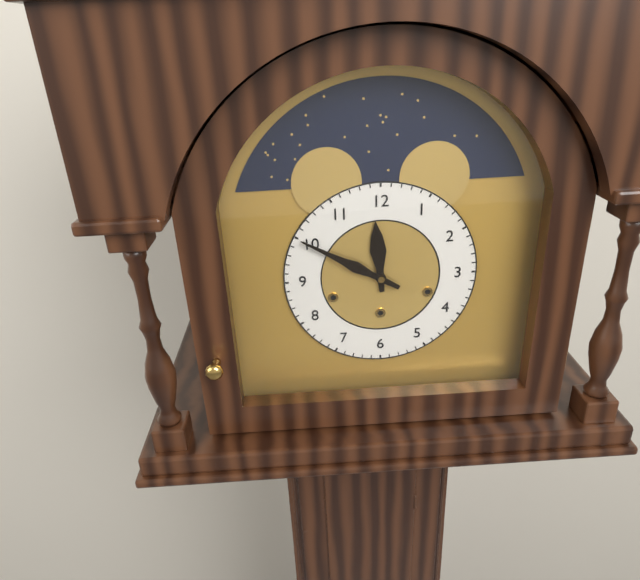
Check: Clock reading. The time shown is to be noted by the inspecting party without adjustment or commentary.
11:50
